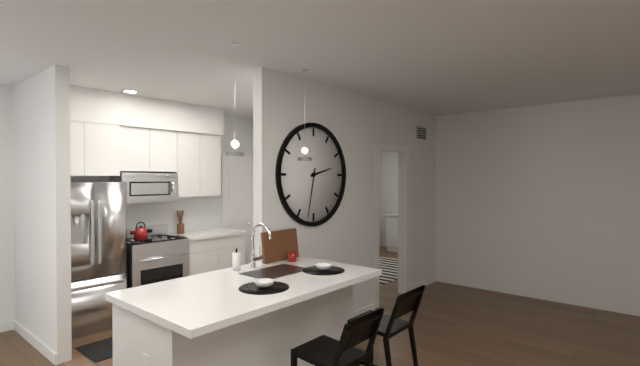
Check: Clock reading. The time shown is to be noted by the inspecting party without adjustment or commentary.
2:32
